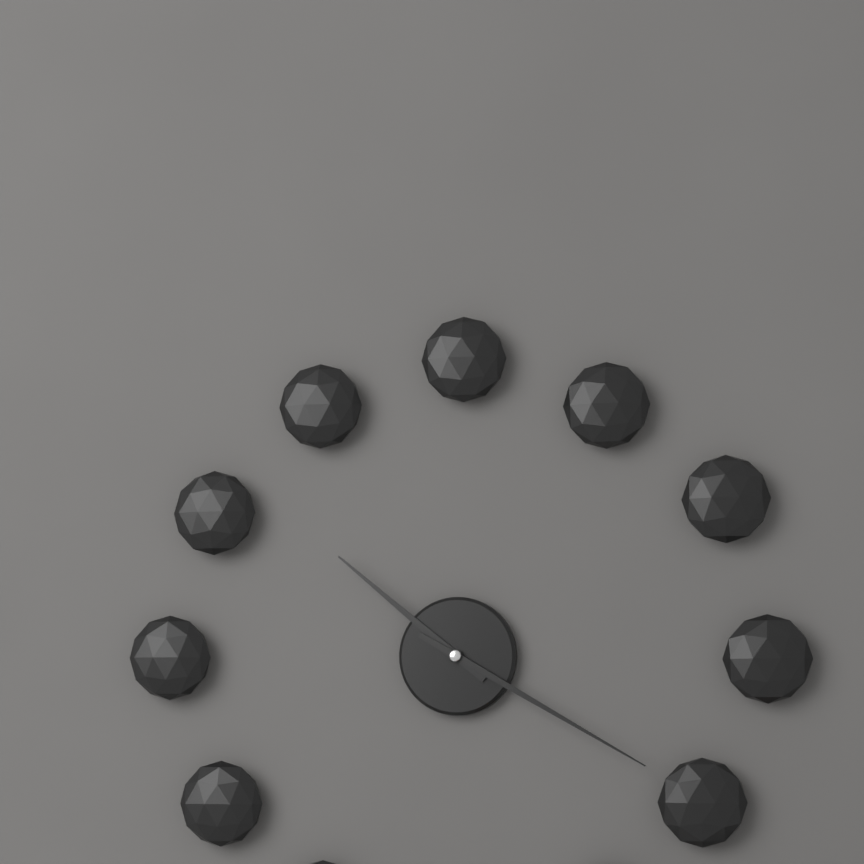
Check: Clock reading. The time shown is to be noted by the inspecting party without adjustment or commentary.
10:20
